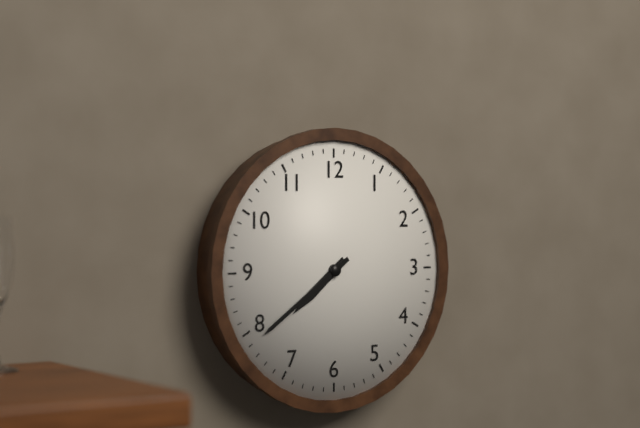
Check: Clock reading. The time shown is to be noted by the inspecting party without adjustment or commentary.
7:39
